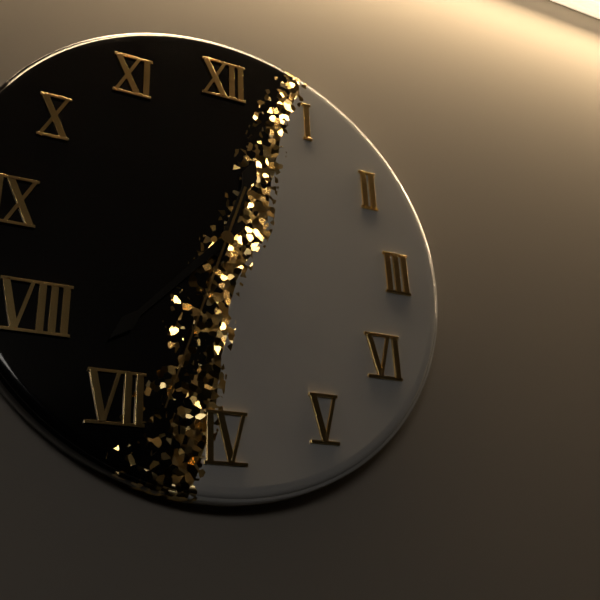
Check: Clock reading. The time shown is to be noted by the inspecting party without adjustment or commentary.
12:37:33
